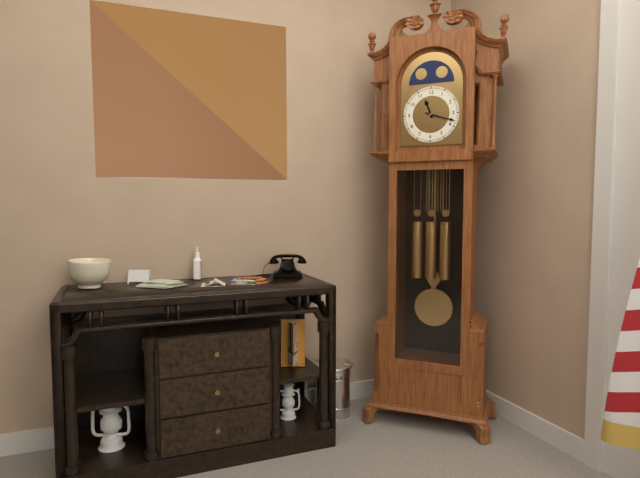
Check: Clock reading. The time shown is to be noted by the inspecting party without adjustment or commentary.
11:18
